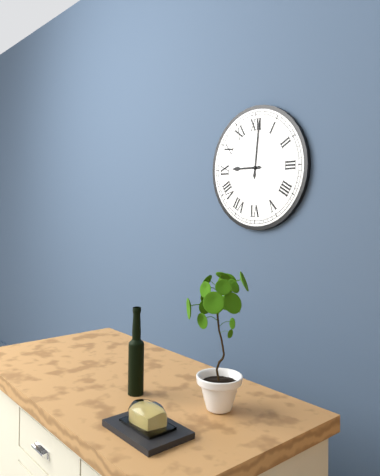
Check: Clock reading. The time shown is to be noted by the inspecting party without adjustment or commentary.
9:01
